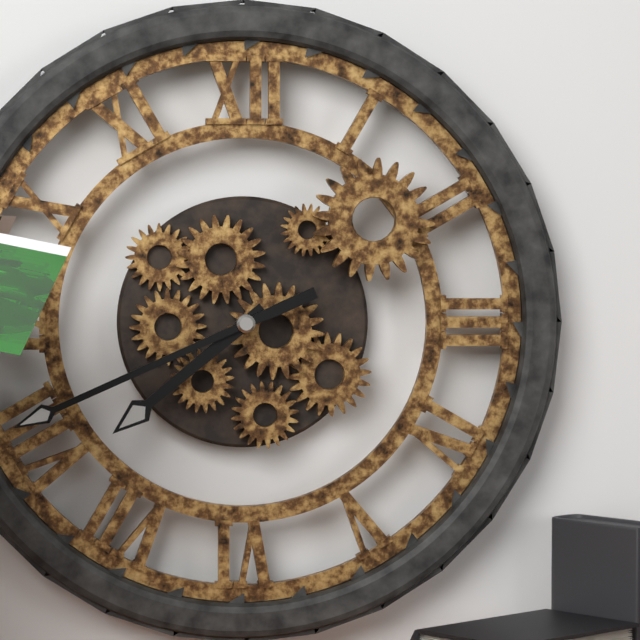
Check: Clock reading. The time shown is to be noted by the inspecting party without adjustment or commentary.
7:41
